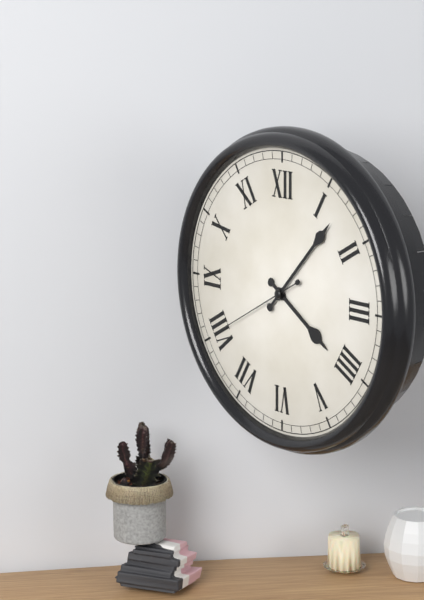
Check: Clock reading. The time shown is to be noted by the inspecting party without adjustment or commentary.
4:07:40
